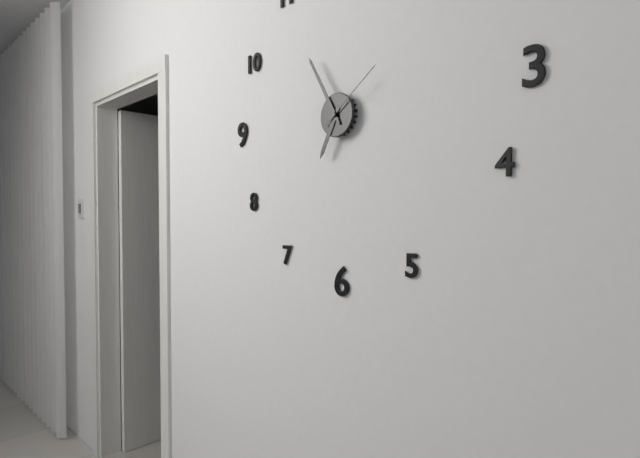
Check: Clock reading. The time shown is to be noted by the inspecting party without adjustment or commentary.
6:55:09
